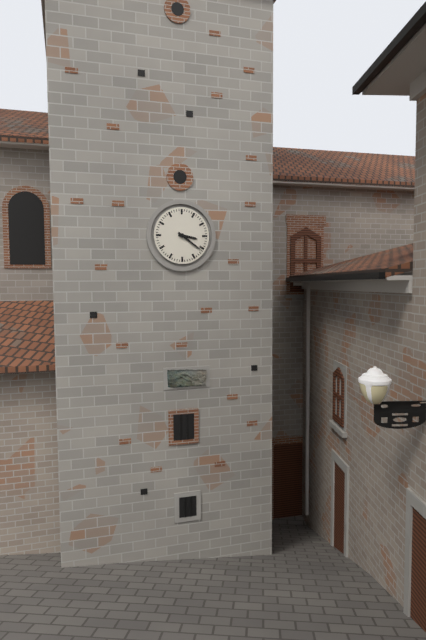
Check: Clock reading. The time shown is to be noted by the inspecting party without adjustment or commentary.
3:21
